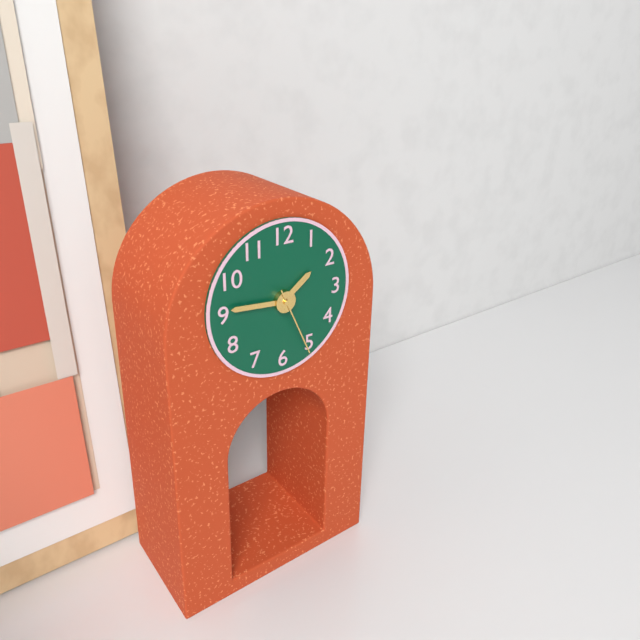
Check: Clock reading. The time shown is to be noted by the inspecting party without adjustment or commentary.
1:46:26
